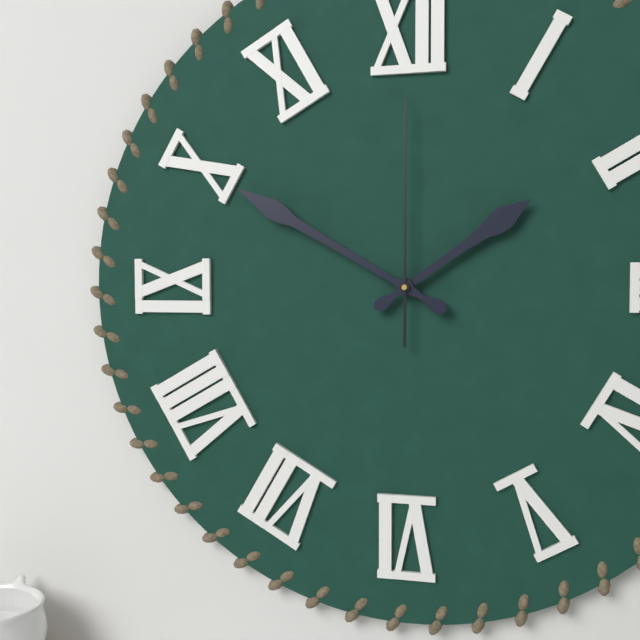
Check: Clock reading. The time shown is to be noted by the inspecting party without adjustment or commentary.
1:50:00
